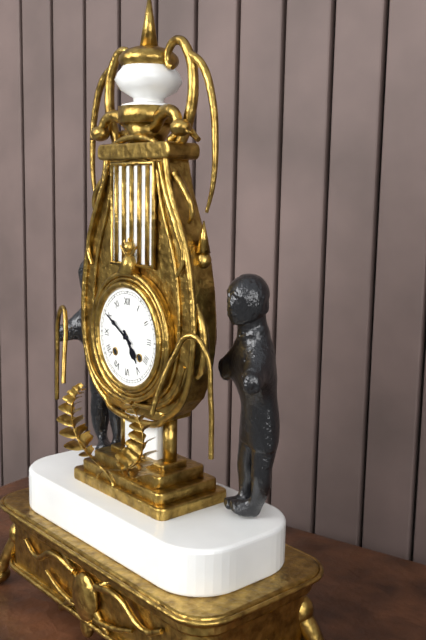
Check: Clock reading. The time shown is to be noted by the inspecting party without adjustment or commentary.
4:50
